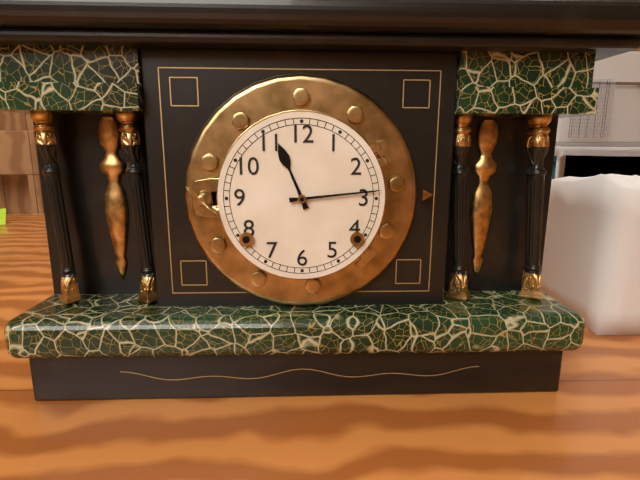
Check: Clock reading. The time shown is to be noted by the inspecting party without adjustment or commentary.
11:14
